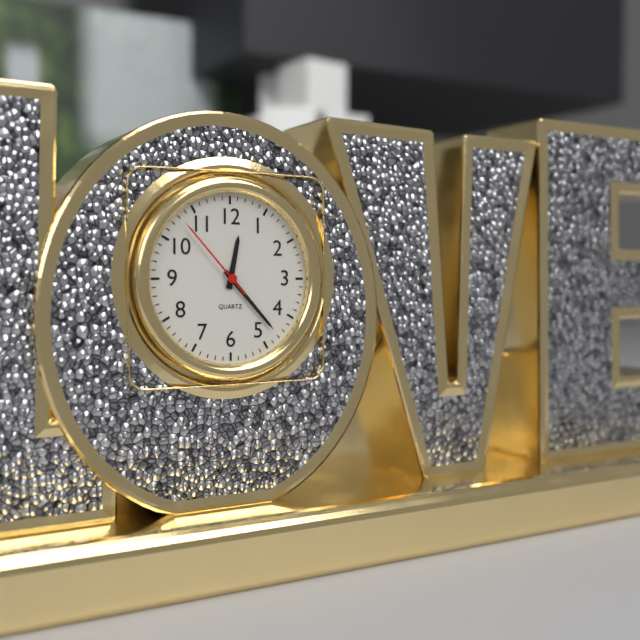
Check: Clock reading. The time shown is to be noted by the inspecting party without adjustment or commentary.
12:23:53
